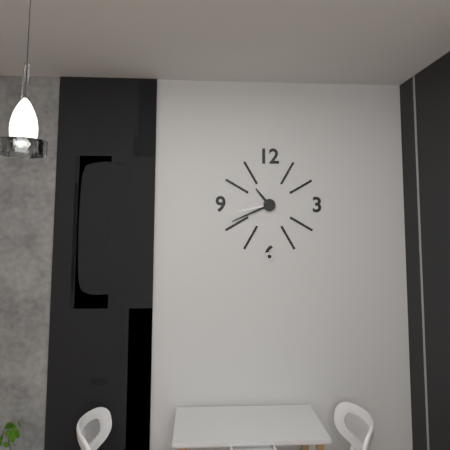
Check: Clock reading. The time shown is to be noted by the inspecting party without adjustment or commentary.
10:41
